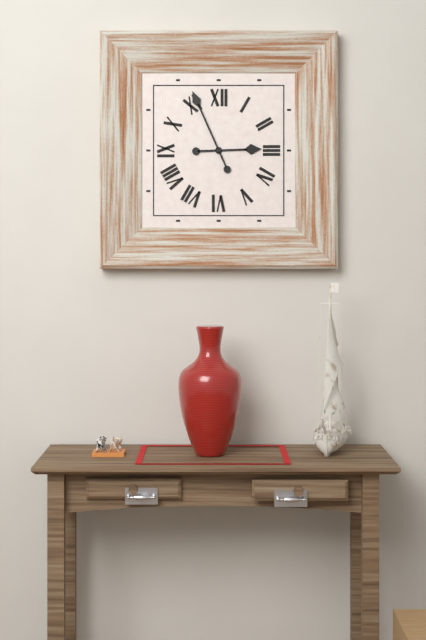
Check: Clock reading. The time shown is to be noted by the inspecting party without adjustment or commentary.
2:56
